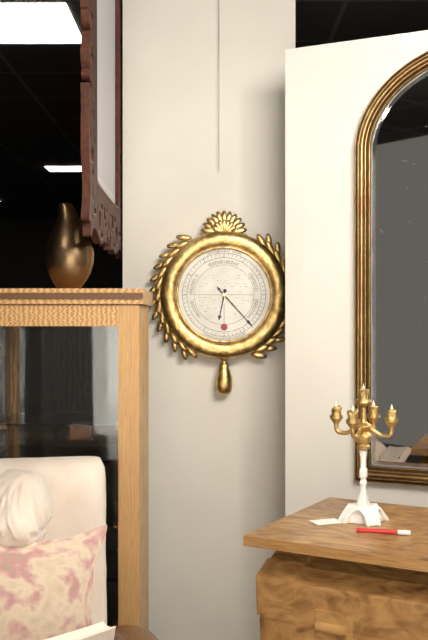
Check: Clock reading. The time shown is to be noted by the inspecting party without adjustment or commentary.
6:23
